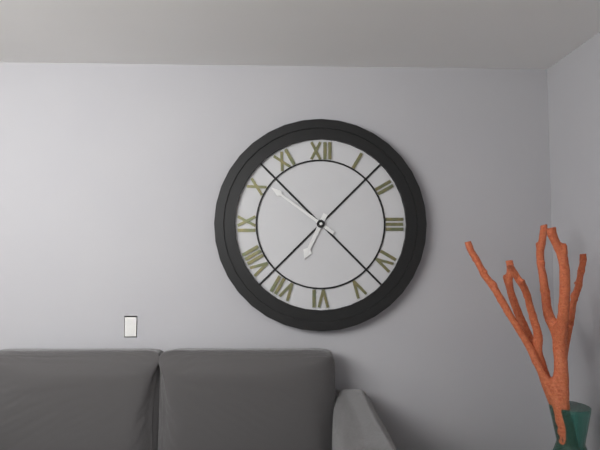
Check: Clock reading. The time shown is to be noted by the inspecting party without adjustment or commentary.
6:51
